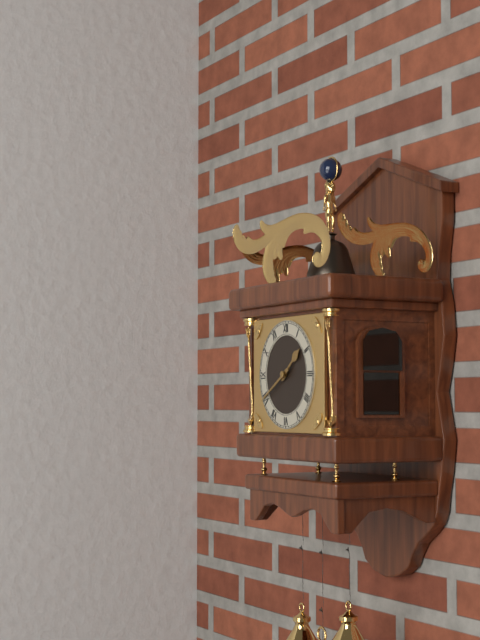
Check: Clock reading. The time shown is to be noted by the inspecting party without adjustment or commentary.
1:40
